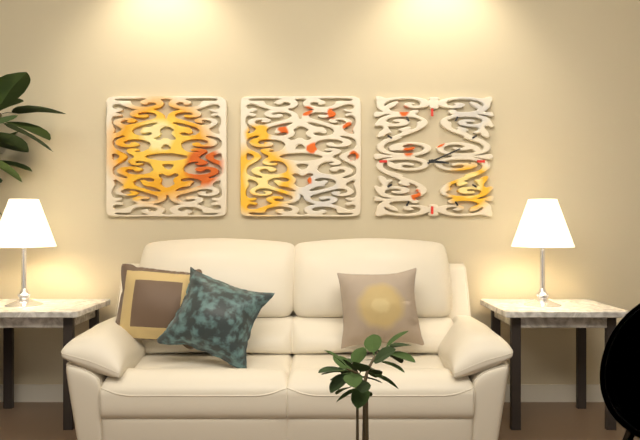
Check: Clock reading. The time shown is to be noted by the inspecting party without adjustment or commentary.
3:11
